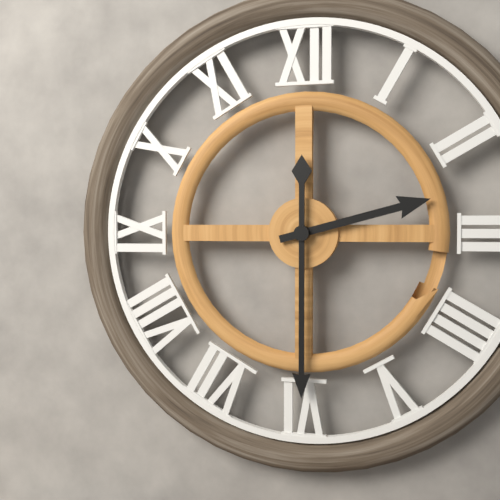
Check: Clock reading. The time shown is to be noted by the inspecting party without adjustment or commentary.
2:30
